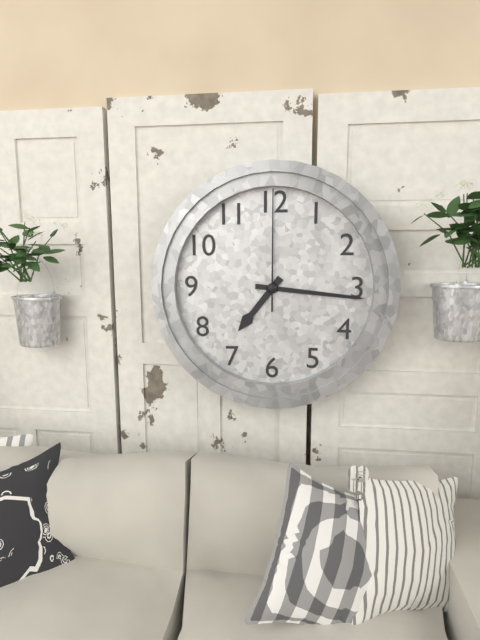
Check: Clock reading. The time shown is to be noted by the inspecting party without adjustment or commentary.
7:16:00
